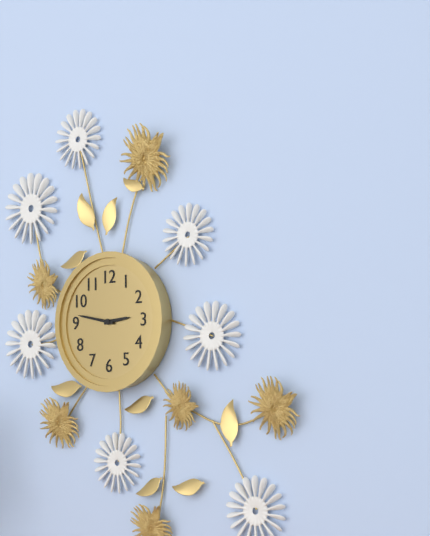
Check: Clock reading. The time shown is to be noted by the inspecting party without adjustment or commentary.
2:47
